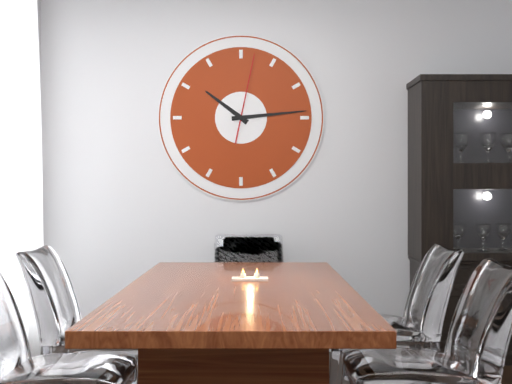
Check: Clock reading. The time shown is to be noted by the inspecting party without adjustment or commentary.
10:14:02
